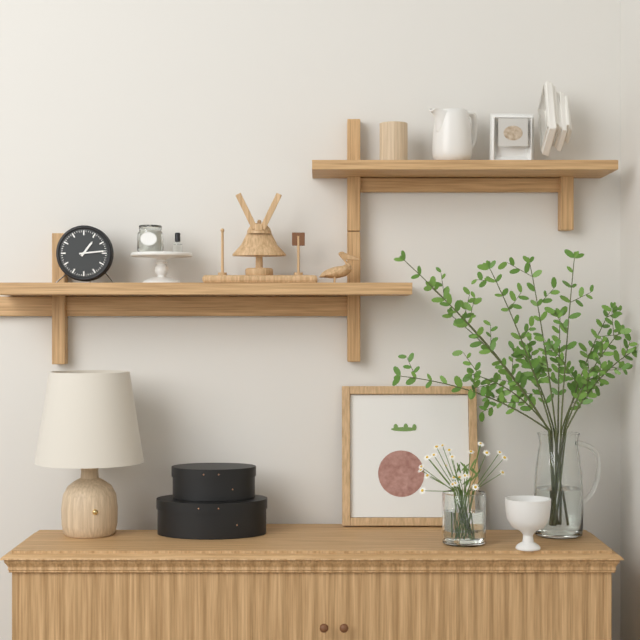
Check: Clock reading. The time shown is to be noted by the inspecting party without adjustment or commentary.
1:14
